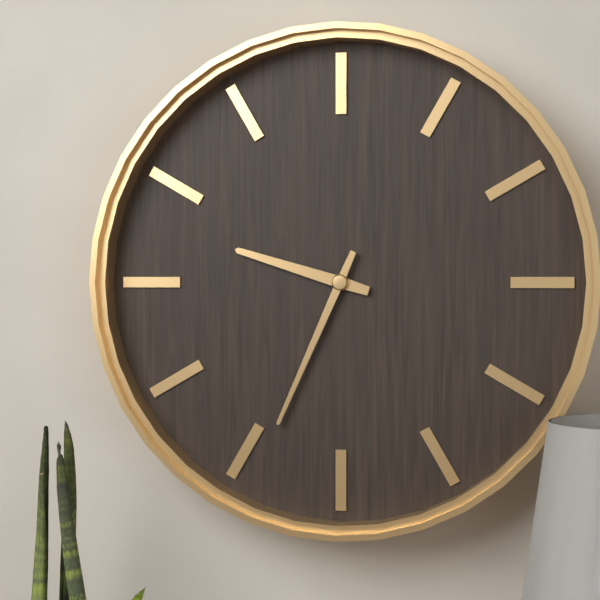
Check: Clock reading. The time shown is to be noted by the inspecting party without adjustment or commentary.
9:34
